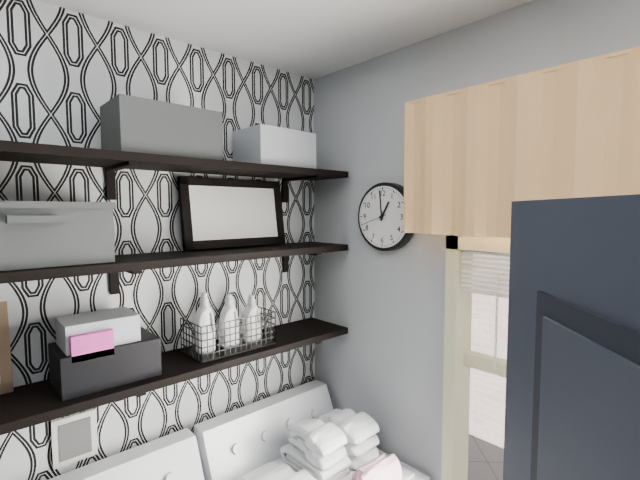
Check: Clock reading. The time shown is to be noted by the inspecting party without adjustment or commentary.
12:59
